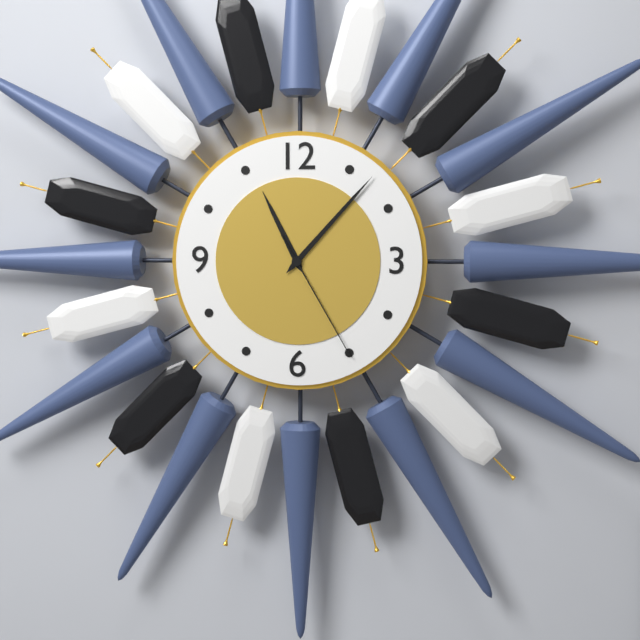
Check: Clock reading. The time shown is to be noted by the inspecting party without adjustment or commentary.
11:07:25
